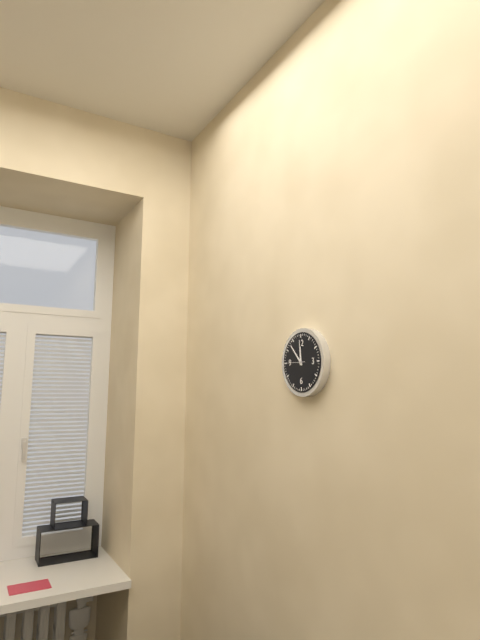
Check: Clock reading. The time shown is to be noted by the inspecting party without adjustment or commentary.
11:53
